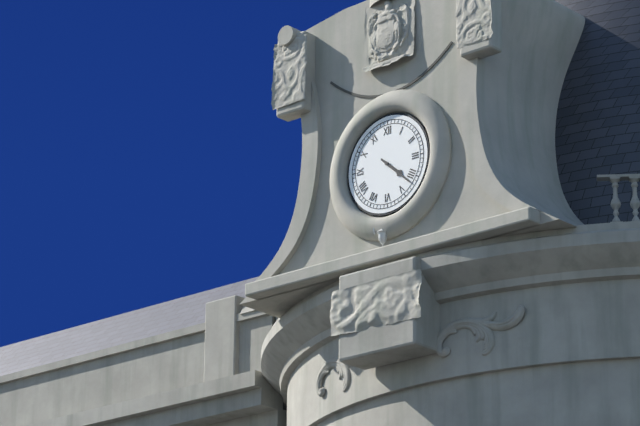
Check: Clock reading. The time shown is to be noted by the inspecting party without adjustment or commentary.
4:22
